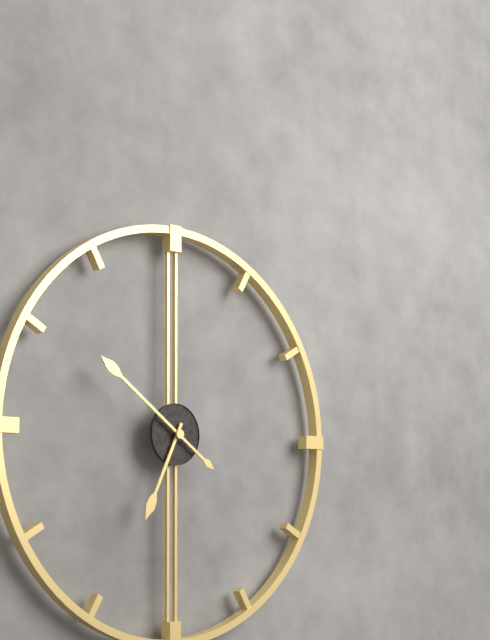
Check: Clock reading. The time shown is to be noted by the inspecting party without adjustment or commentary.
6:51
